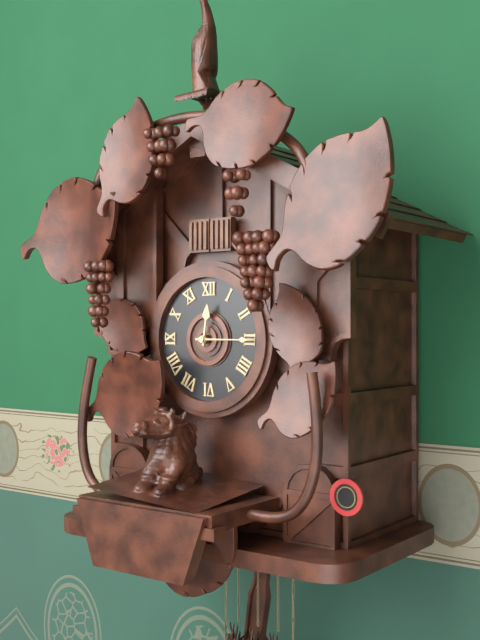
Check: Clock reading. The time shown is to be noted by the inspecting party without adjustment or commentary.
12:15
